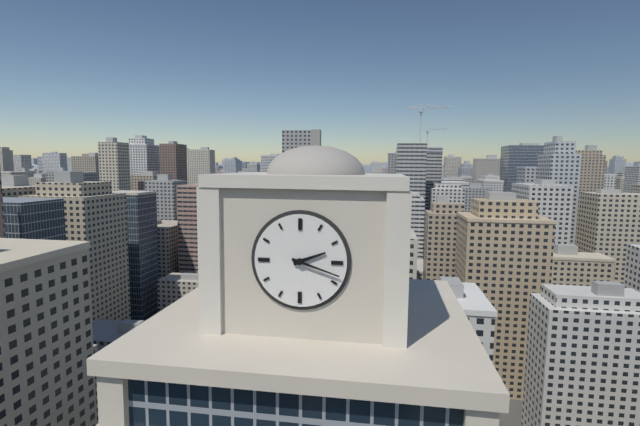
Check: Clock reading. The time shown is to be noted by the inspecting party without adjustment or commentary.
2:18
